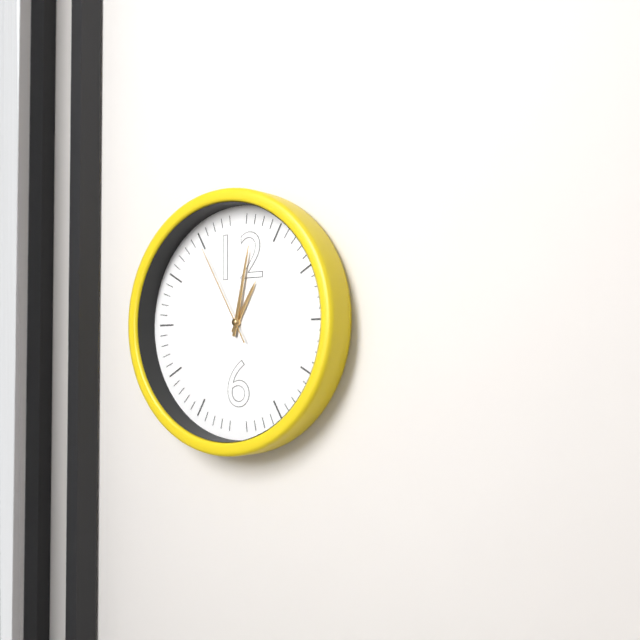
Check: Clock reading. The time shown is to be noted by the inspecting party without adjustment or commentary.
1:02:55
